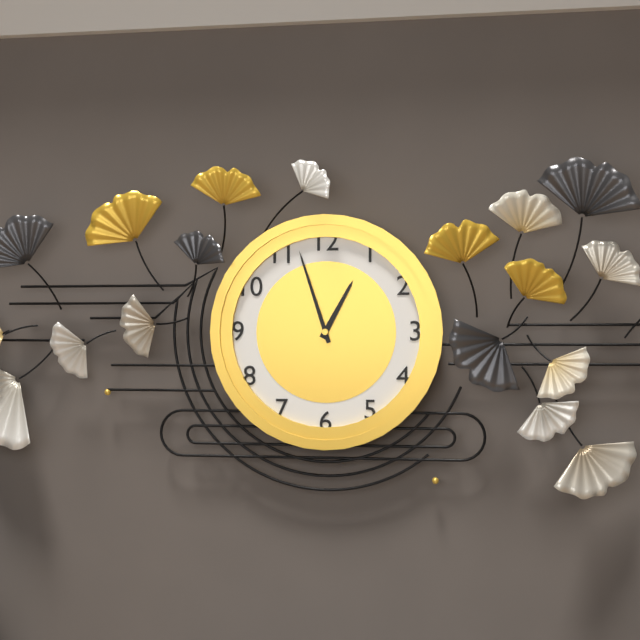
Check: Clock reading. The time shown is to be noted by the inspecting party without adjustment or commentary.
12:57
